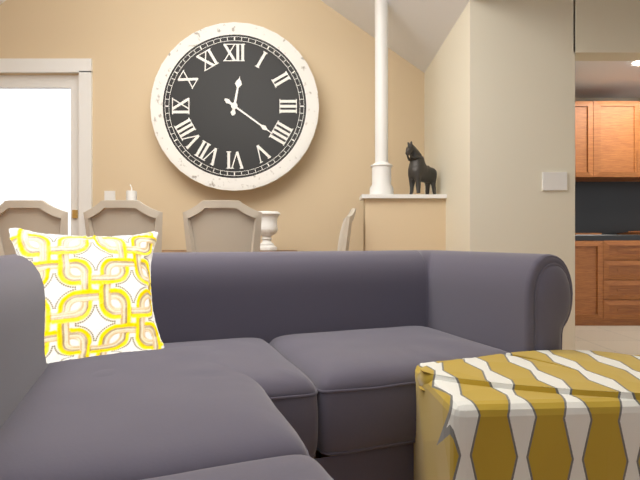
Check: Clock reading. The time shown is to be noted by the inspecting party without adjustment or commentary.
12:21
